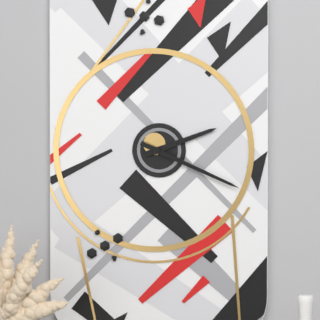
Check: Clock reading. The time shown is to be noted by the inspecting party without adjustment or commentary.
2:19
